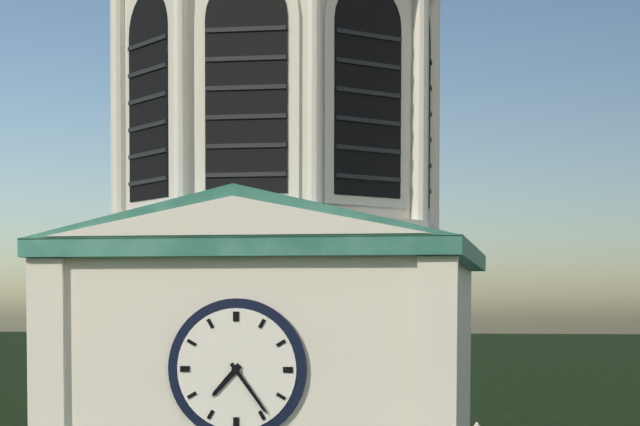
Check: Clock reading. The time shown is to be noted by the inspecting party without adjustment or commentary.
7:24
